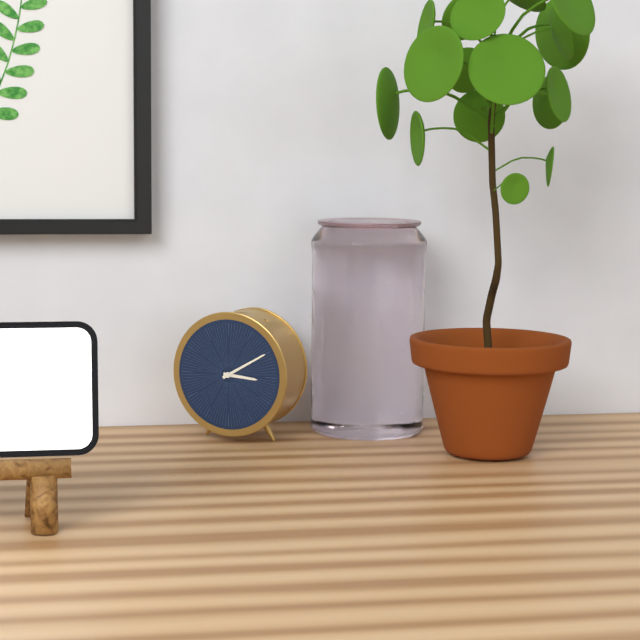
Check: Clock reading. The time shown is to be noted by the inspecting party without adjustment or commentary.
3:10
